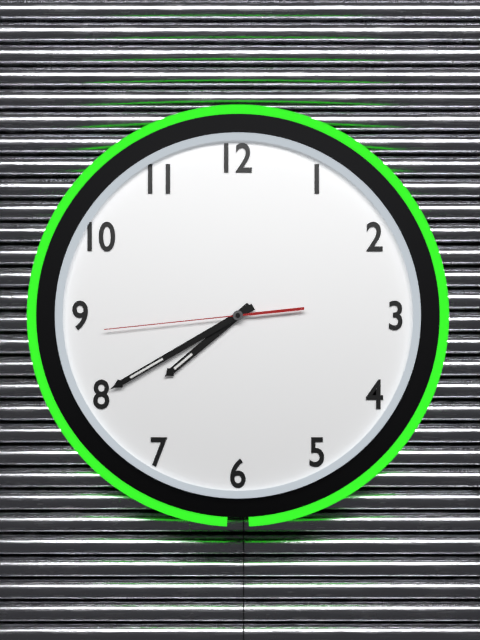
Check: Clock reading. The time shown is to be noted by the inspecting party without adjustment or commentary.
7:40:44
